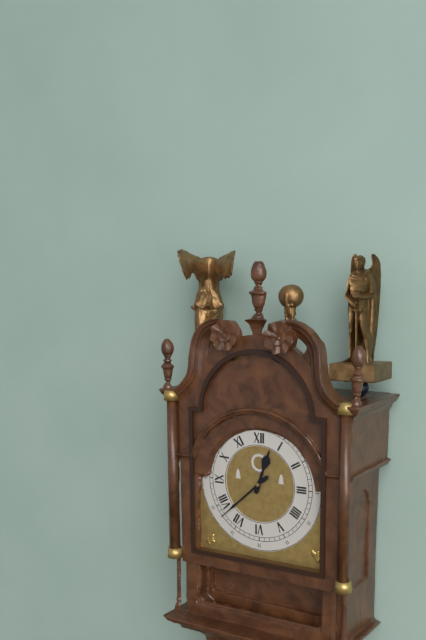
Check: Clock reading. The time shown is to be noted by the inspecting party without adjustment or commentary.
12:38
